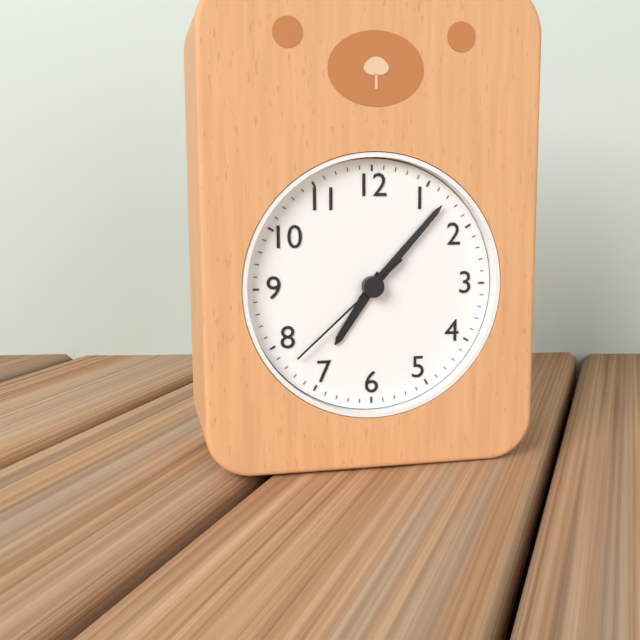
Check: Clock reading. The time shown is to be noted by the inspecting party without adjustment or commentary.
7:07:38
